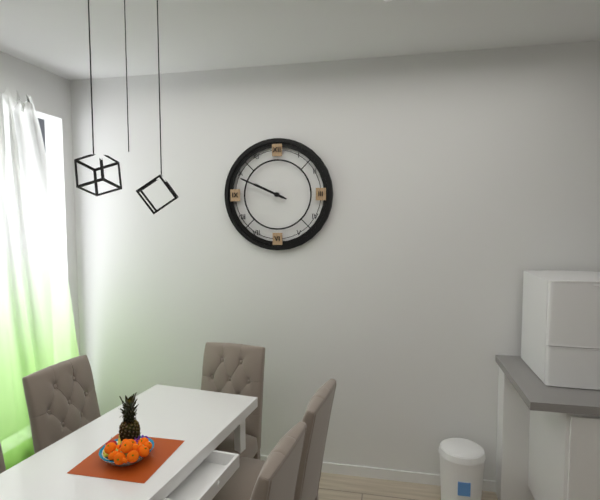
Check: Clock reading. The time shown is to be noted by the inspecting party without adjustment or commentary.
9:49
